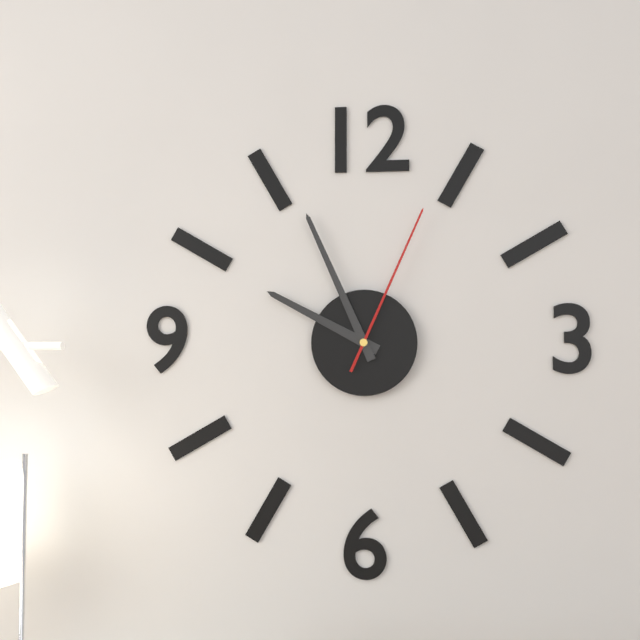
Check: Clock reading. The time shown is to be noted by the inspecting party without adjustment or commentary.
9:56:04
